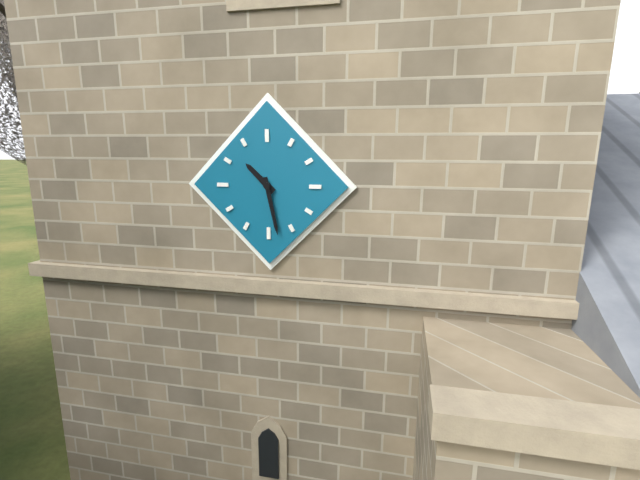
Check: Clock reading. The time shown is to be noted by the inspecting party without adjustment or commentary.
10:28
